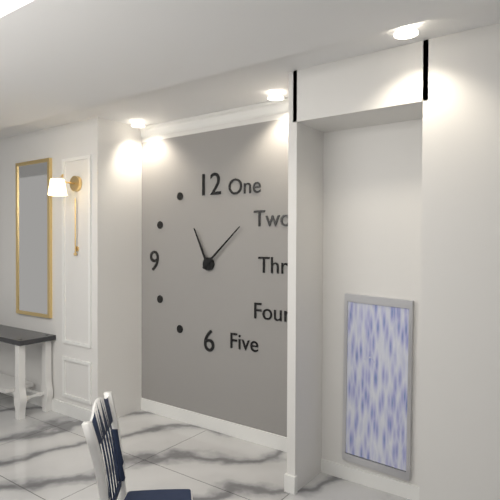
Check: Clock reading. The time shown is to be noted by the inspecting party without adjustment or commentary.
11:08
